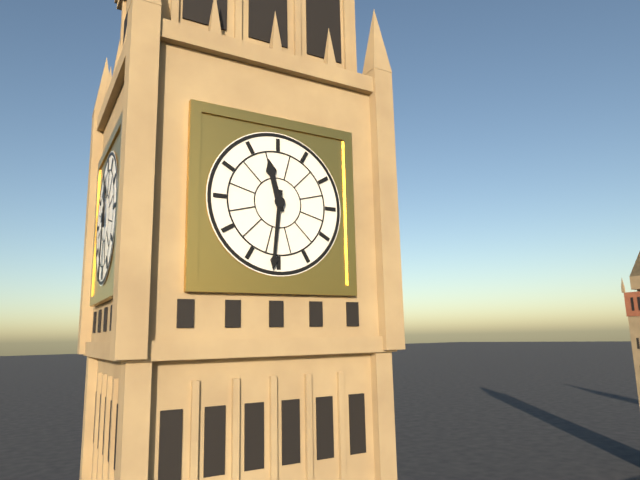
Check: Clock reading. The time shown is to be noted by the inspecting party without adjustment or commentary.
11:31
